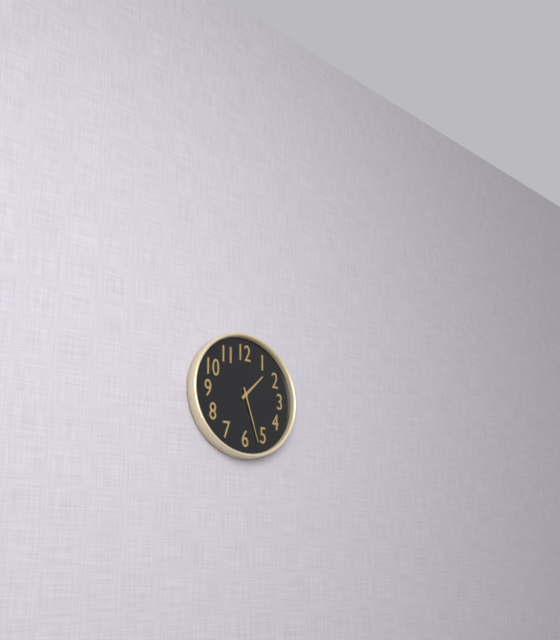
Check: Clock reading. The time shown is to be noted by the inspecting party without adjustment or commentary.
1:27
